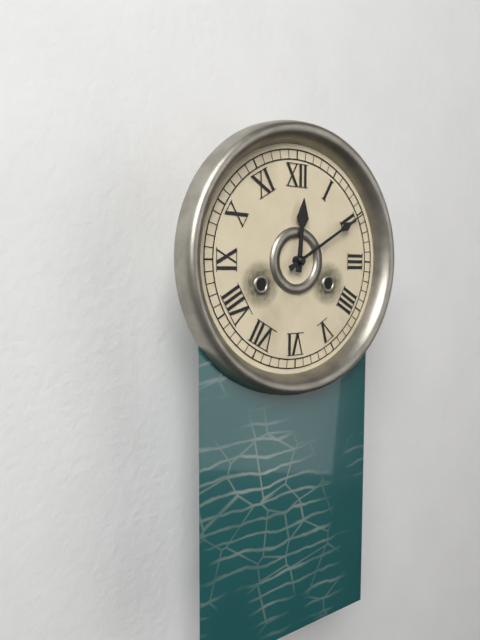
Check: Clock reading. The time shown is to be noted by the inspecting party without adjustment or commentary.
12:10
